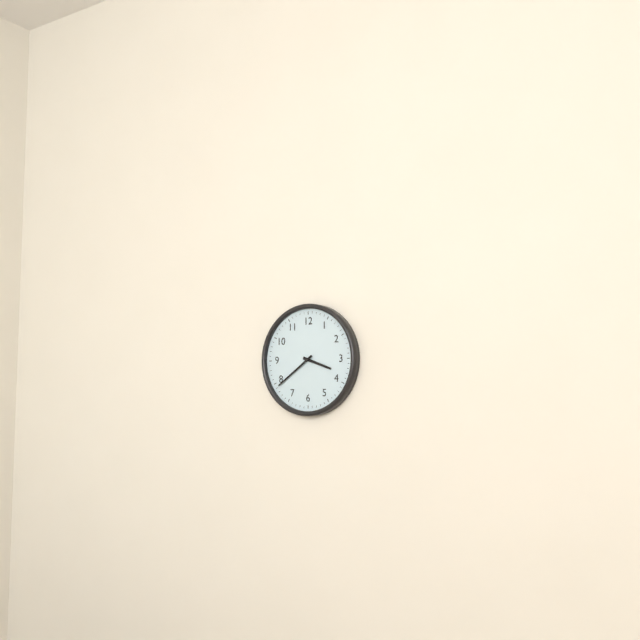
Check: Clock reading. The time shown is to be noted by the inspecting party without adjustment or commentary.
3:39
